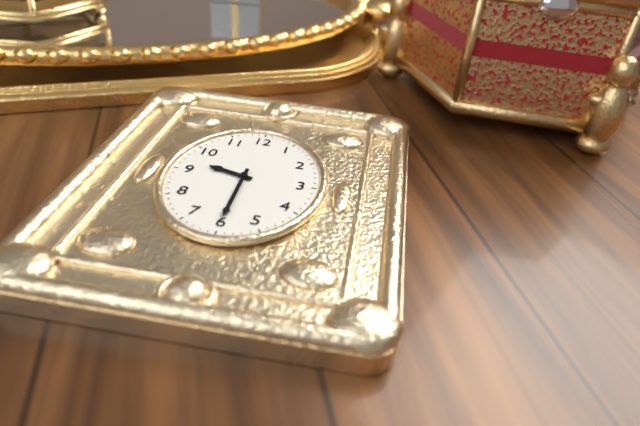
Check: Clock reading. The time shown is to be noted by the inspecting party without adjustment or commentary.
9:30
